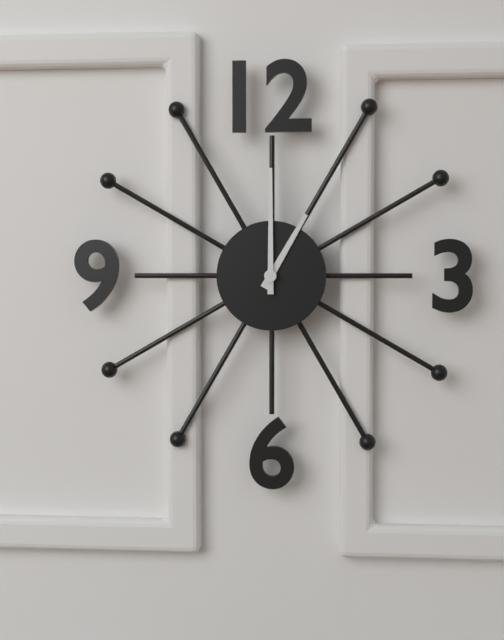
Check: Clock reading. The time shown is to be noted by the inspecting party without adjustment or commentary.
1:00
